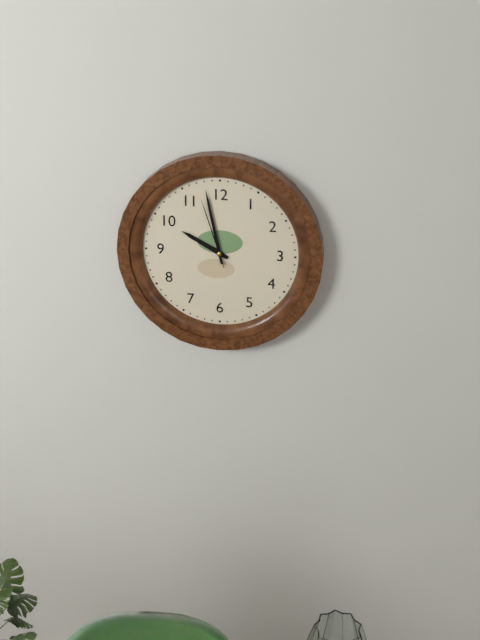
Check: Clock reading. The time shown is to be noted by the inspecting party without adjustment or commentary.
9:58:57
